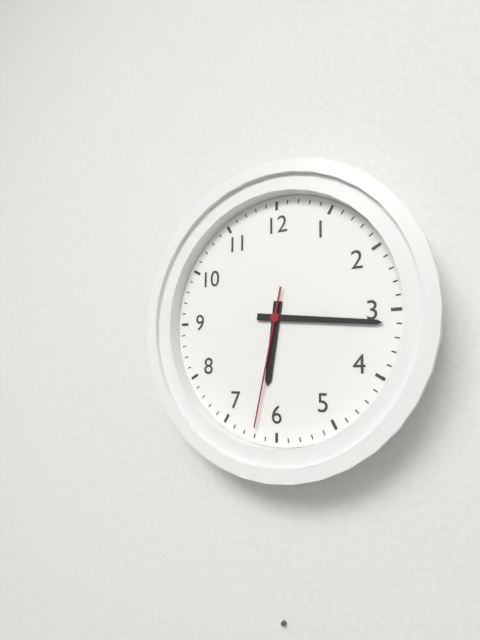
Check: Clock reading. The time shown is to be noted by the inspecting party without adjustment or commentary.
6:16:32
